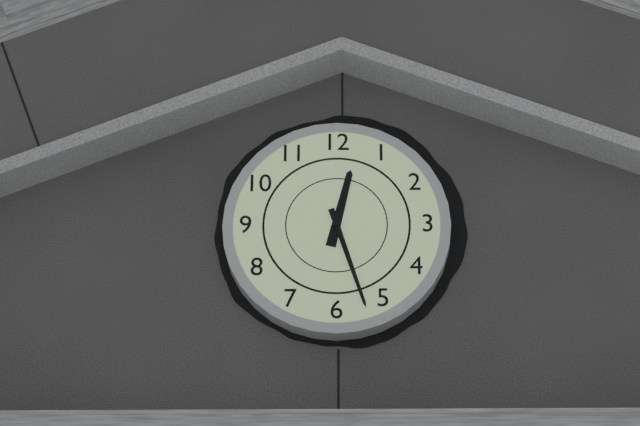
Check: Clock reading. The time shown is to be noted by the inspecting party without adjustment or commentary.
12:27
